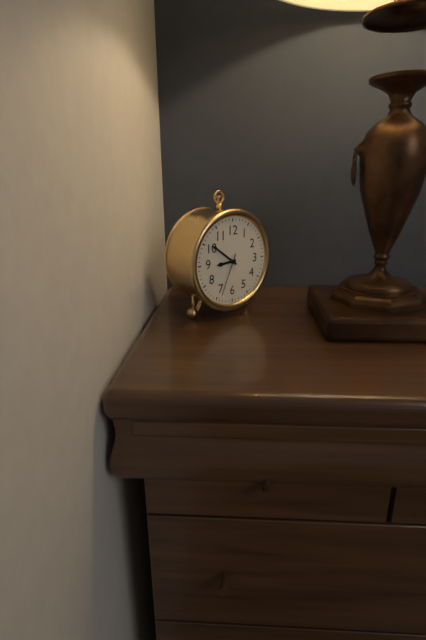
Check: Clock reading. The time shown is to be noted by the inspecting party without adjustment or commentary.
8:51
